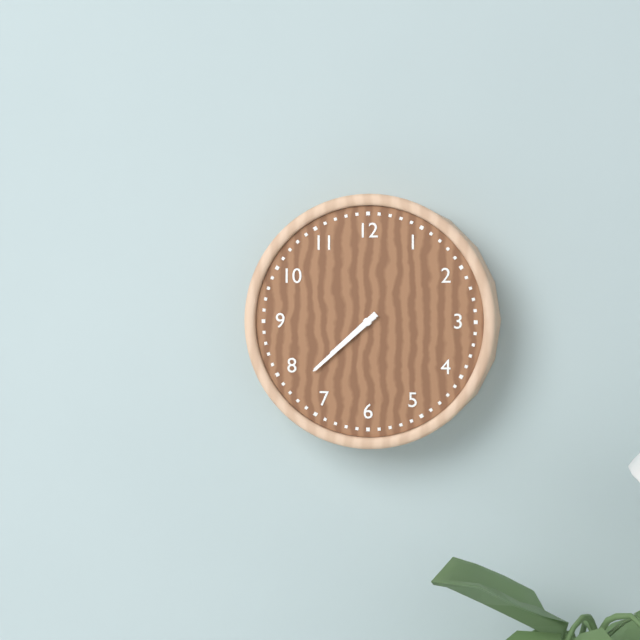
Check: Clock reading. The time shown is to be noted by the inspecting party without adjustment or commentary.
7:38
